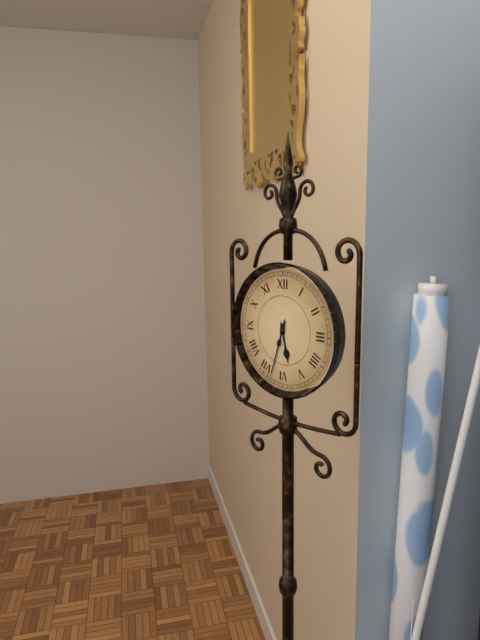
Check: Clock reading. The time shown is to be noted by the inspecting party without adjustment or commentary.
5:33
